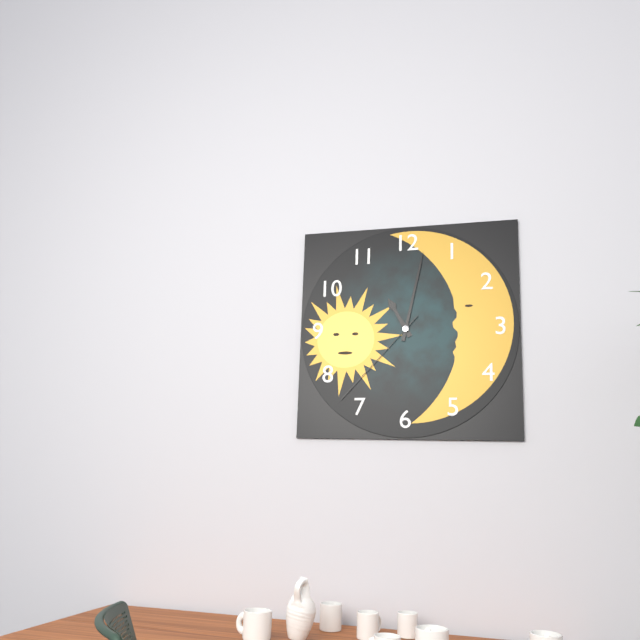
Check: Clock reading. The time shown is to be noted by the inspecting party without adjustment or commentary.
11:02:37
